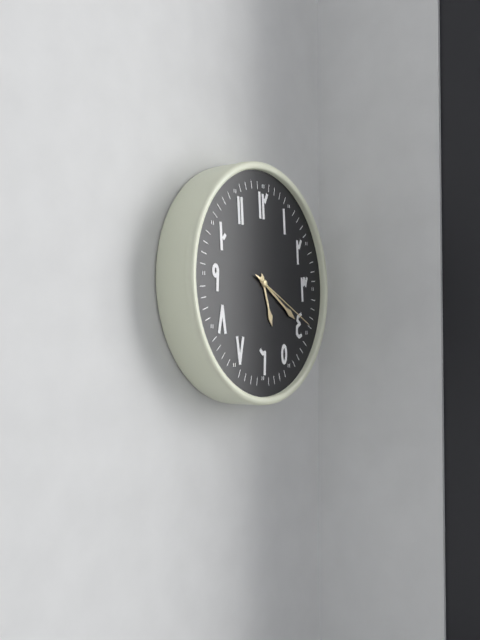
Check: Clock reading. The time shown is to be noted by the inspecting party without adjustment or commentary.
5:20:19
